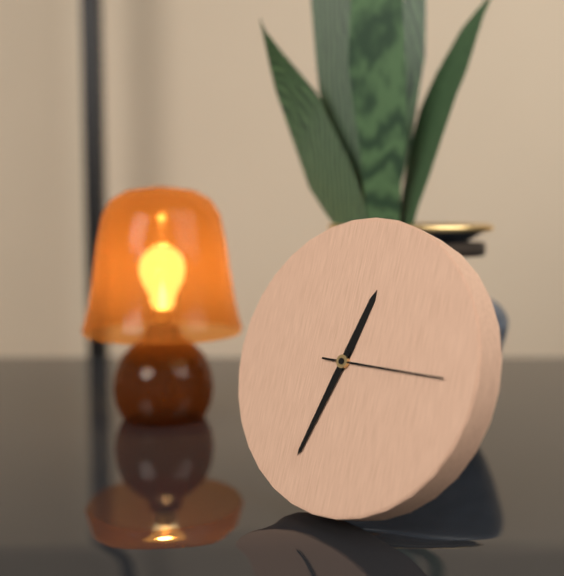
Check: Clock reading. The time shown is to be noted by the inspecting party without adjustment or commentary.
12:33:15
